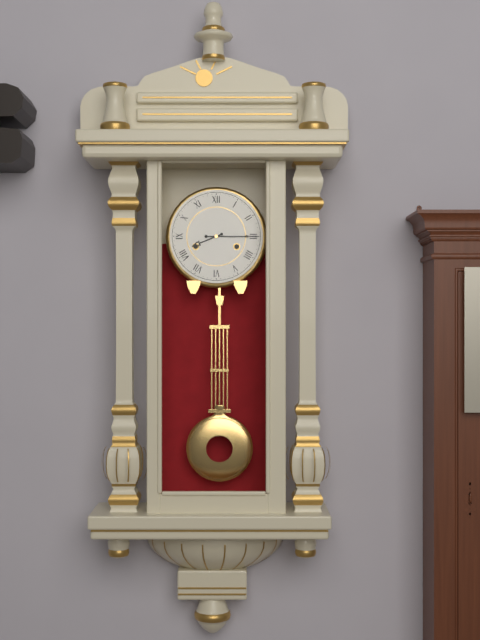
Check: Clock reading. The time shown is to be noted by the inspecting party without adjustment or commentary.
8:15
